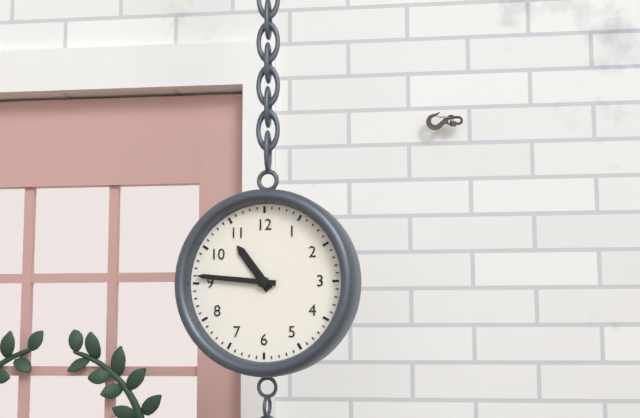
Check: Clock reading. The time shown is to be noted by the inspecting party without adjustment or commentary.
10:46
